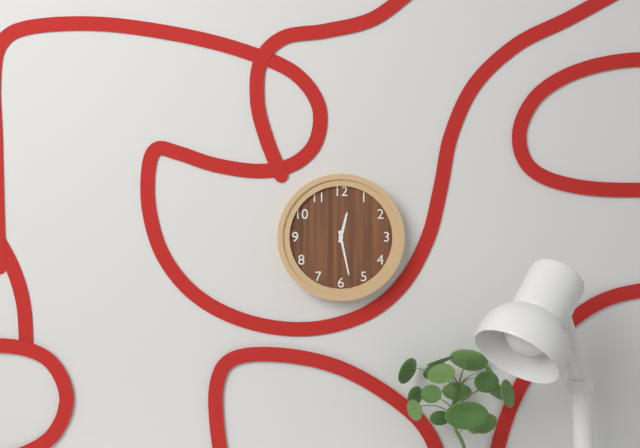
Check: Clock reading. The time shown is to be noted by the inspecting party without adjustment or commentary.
12:28
